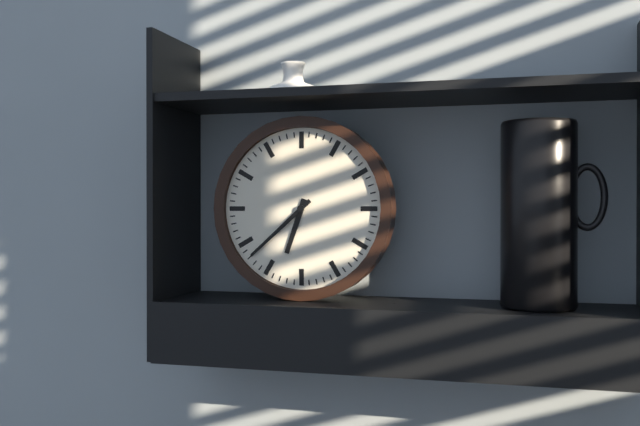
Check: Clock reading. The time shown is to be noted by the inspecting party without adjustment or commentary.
6:38
